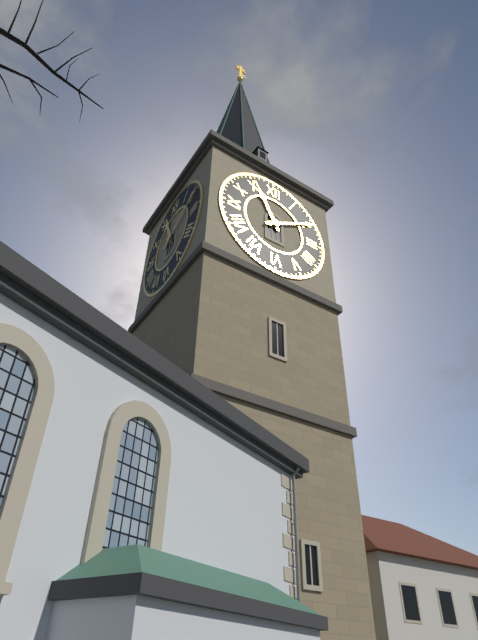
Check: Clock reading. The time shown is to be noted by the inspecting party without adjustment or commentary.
11:10
